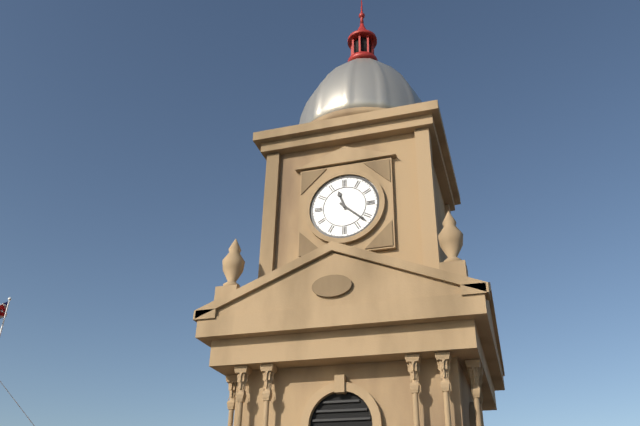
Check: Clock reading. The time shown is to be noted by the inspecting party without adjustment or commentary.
11:22
